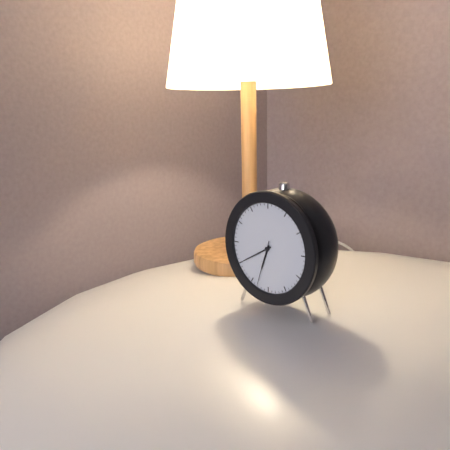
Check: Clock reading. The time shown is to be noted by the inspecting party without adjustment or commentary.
6:40
